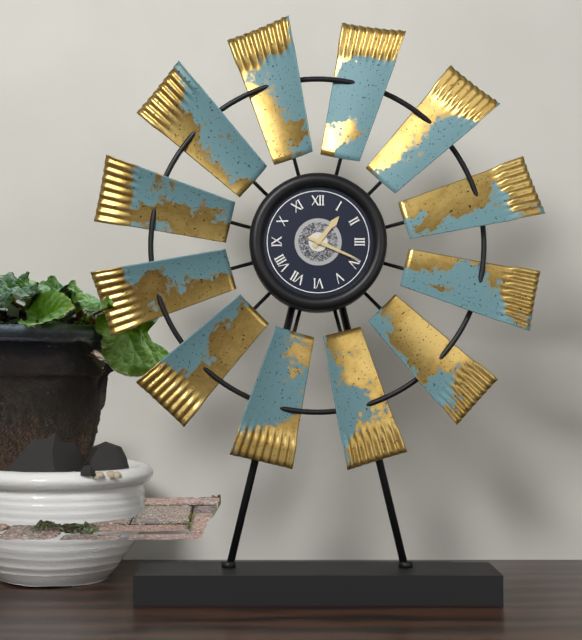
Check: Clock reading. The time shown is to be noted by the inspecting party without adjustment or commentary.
1:19
